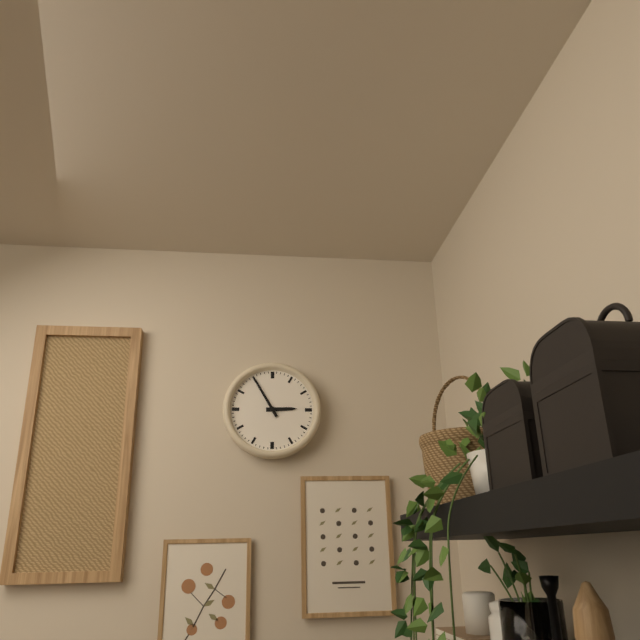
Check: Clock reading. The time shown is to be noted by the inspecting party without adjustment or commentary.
2:55
